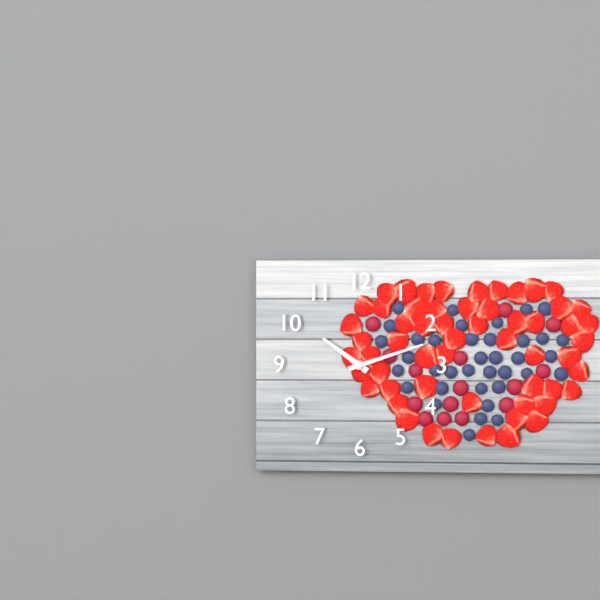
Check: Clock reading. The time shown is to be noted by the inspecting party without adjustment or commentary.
10:12
